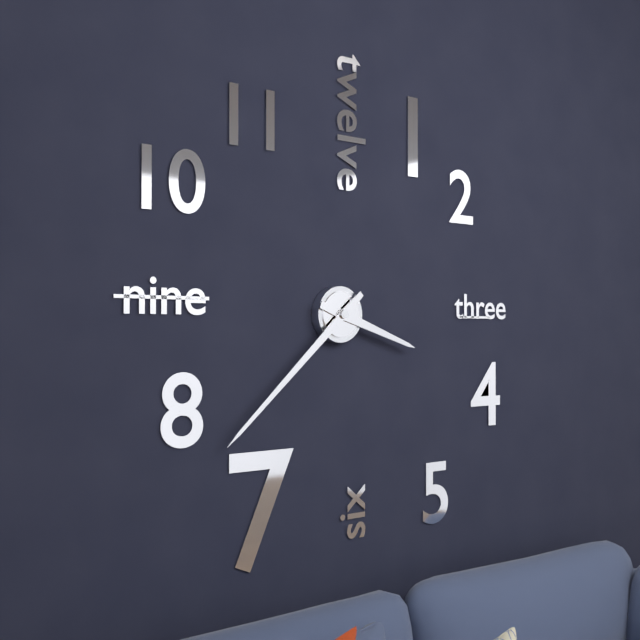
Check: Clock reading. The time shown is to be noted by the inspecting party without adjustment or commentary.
3:38
